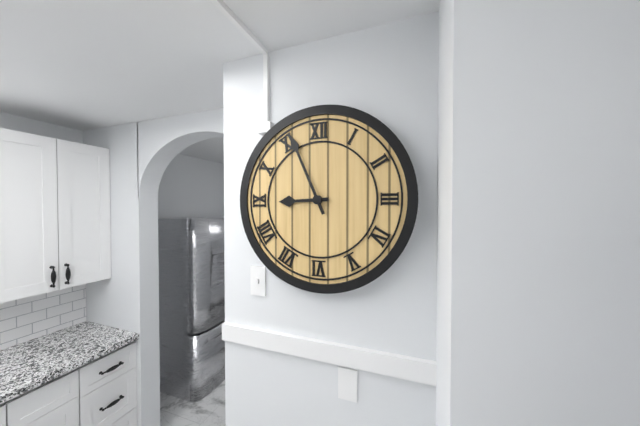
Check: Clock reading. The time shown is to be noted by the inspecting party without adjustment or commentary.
8:56
